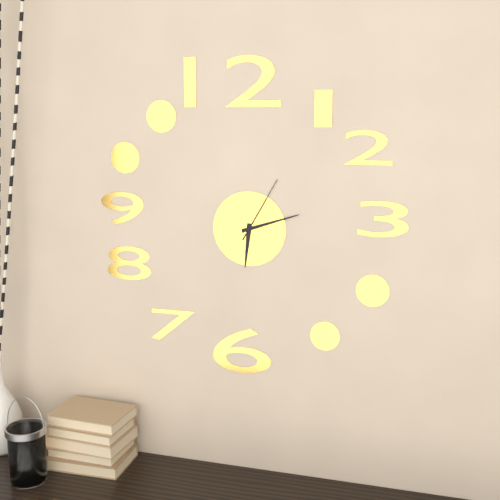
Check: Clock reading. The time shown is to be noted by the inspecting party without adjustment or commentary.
6:12:05
